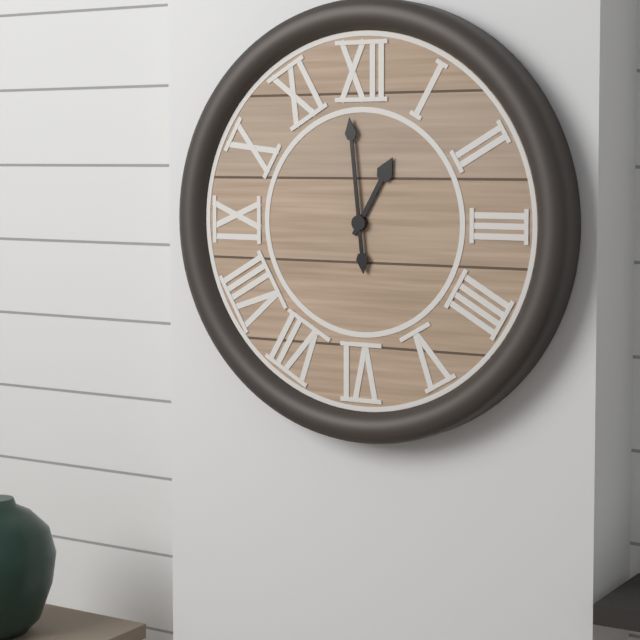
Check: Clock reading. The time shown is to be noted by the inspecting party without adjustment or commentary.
12:59
